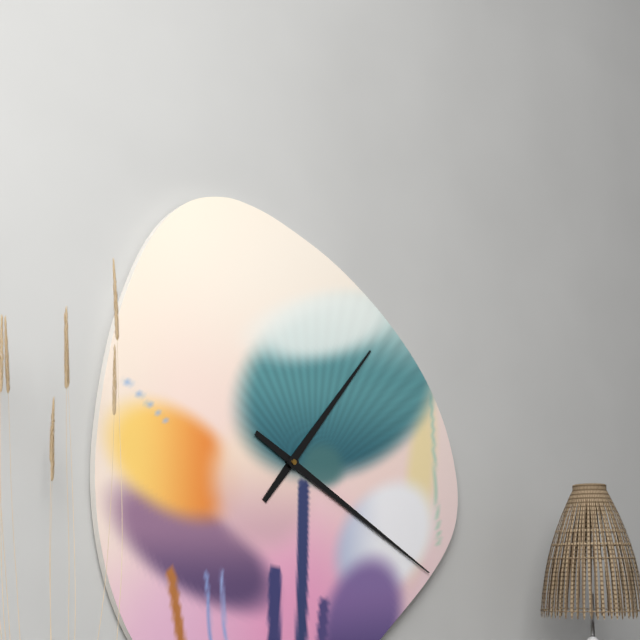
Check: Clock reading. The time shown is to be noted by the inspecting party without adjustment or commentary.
1:20
